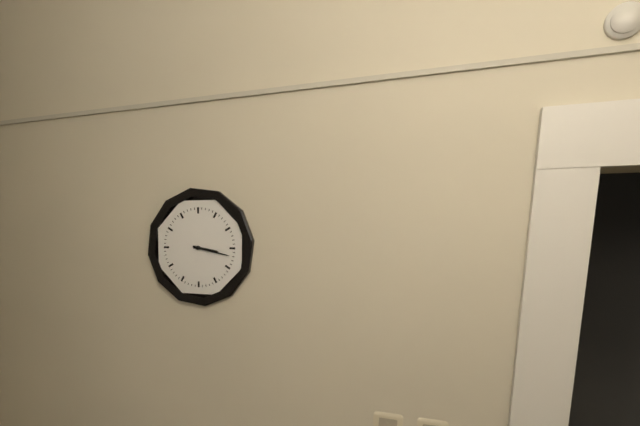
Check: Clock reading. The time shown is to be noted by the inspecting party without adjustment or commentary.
3:17
